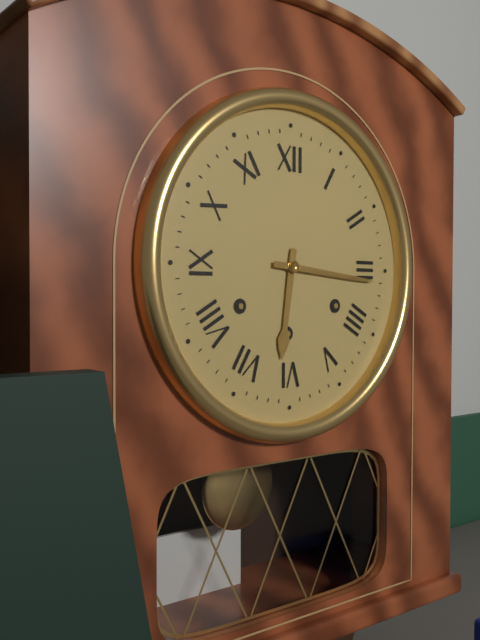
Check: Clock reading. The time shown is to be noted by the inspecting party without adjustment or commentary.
6:16
